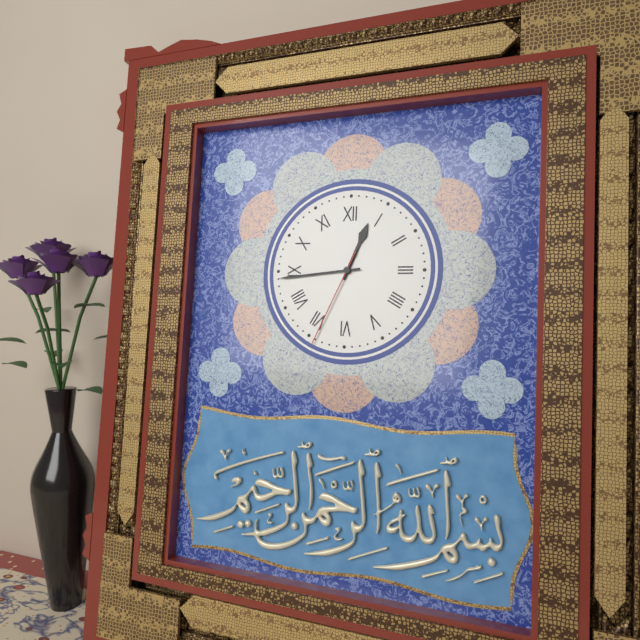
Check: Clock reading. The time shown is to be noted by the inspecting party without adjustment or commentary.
12:44:34
